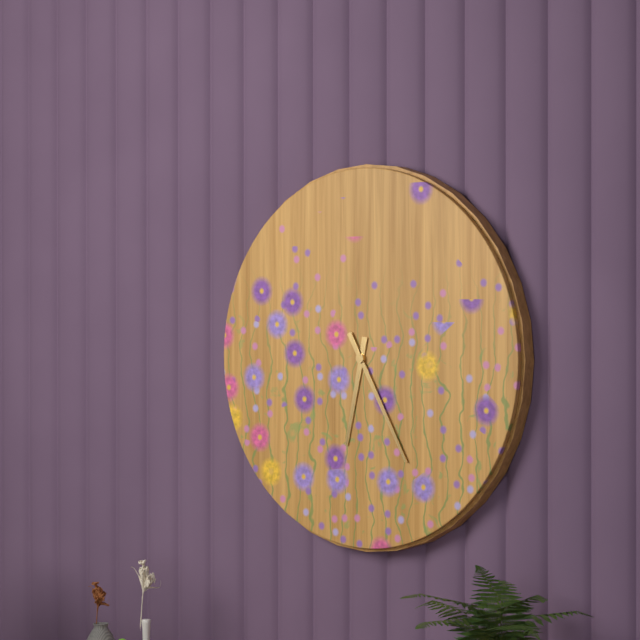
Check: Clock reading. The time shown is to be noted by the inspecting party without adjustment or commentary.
6:25
